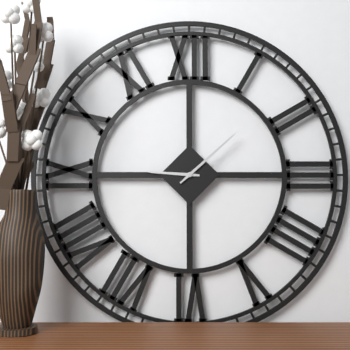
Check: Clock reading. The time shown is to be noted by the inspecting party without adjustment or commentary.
9:08
